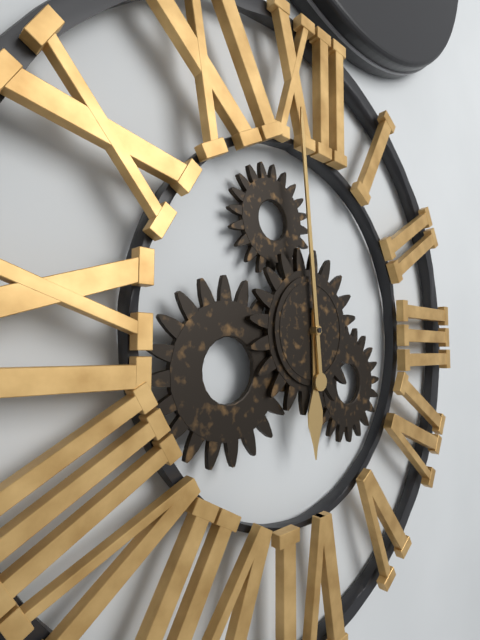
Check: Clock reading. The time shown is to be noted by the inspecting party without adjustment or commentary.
5:59
